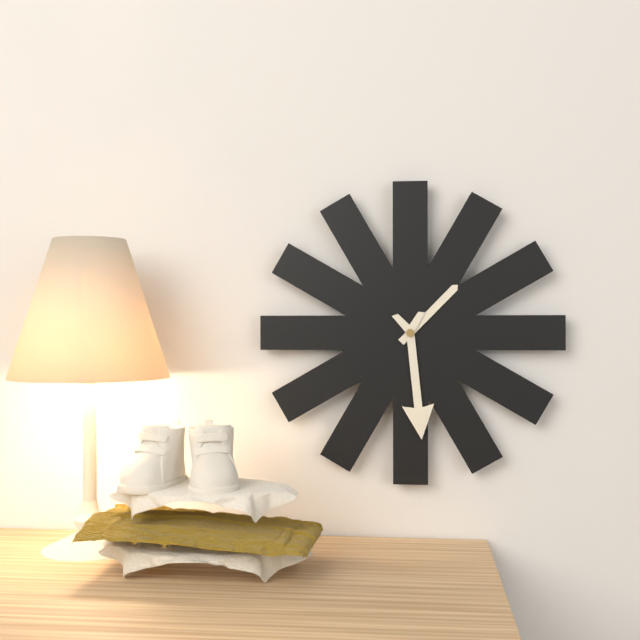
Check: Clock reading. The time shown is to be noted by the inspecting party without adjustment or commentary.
1:29
